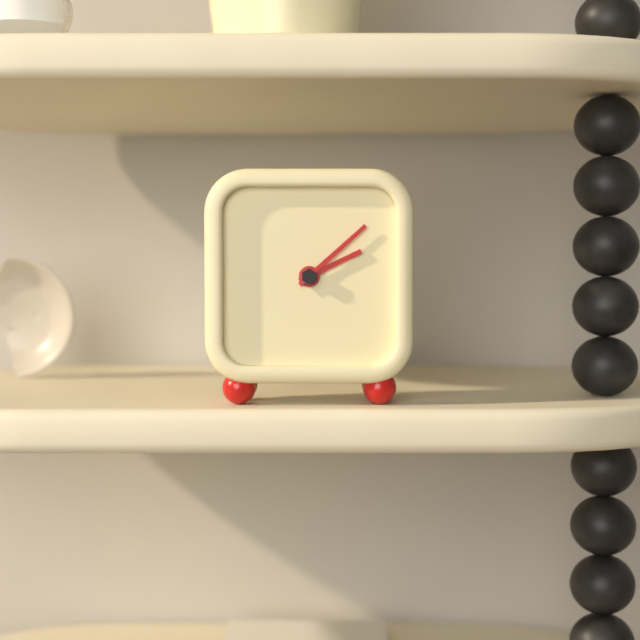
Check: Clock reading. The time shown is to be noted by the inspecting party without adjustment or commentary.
2:08
